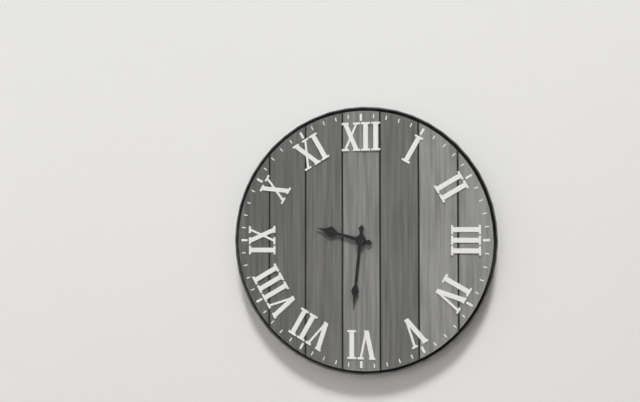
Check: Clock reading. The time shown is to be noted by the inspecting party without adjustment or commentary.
9:31
